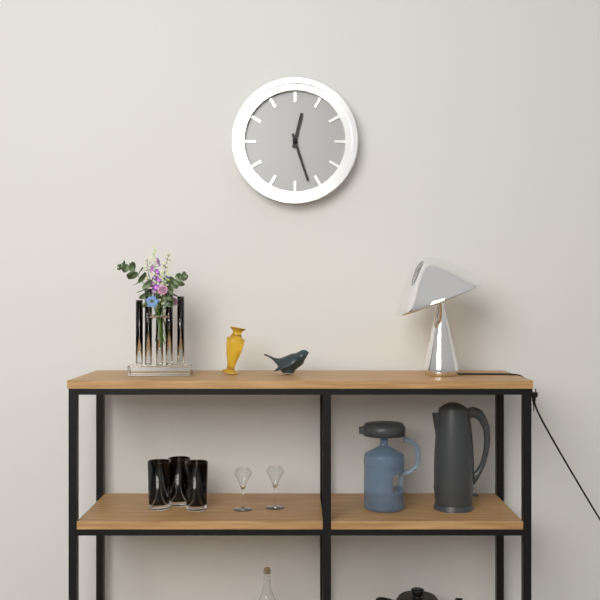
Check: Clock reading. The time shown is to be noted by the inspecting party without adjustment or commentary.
12:27
